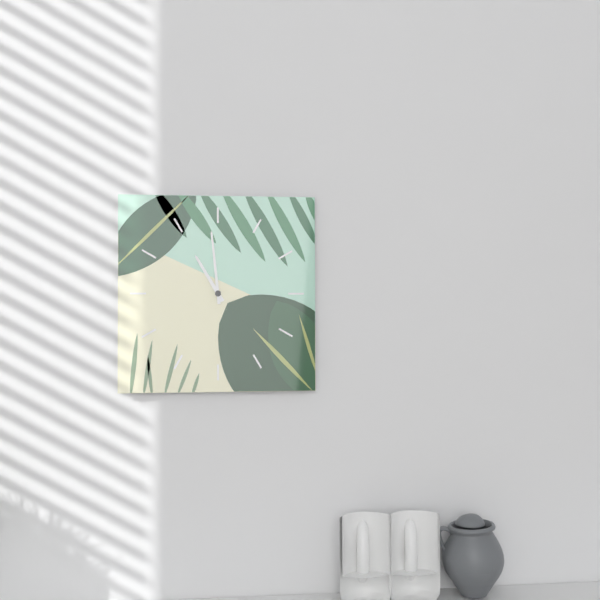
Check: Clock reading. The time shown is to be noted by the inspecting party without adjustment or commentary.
10:59
